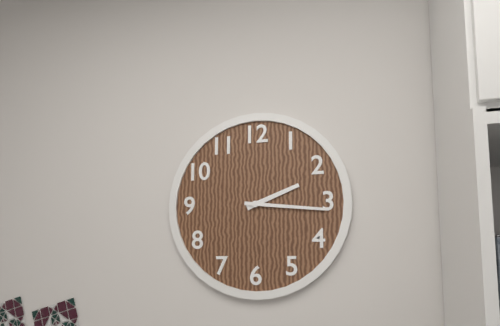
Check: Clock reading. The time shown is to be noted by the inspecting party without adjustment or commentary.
2:16
